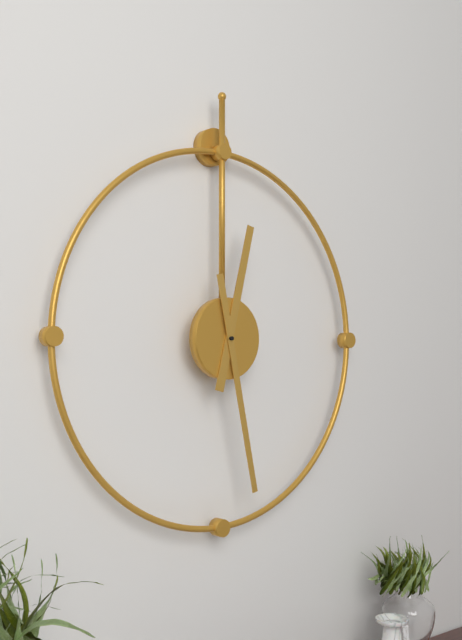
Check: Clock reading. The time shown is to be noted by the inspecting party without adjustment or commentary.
12:28
